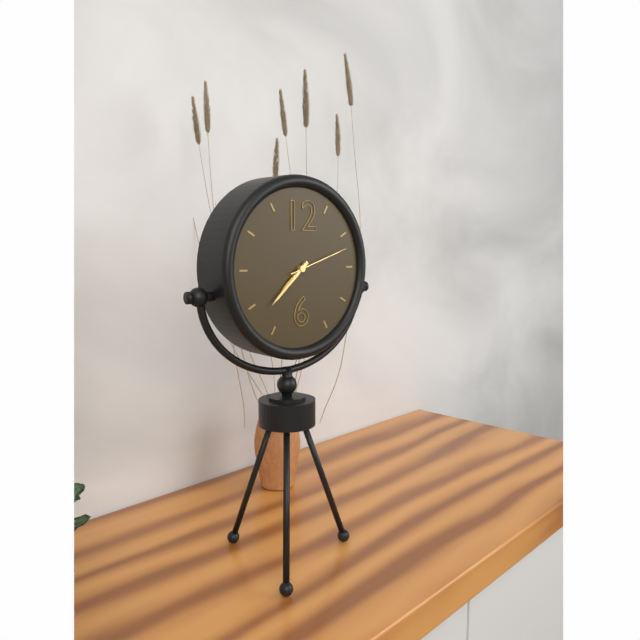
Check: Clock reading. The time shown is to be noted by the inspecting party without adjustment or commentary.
7:38:12
